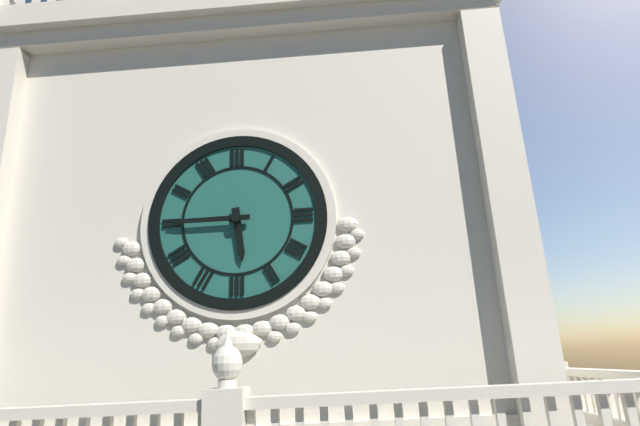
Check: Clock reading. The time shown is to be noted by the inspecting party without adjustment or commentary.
5:45
